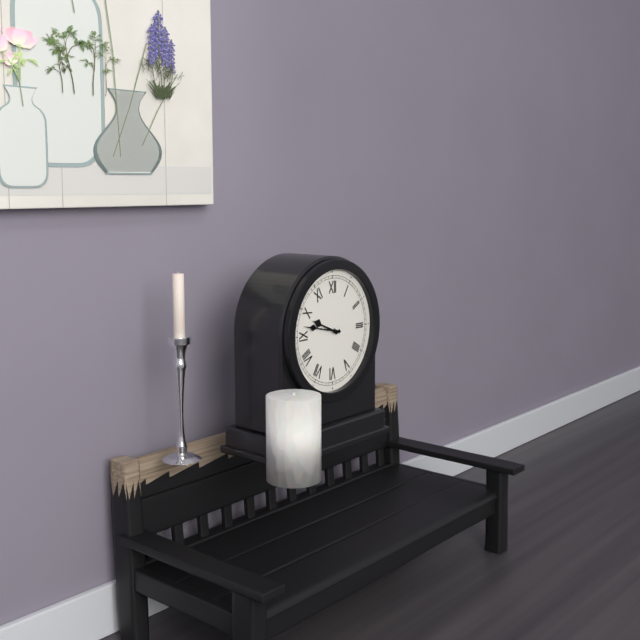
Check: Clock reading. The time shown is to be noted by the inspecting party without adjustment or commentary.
9:47
